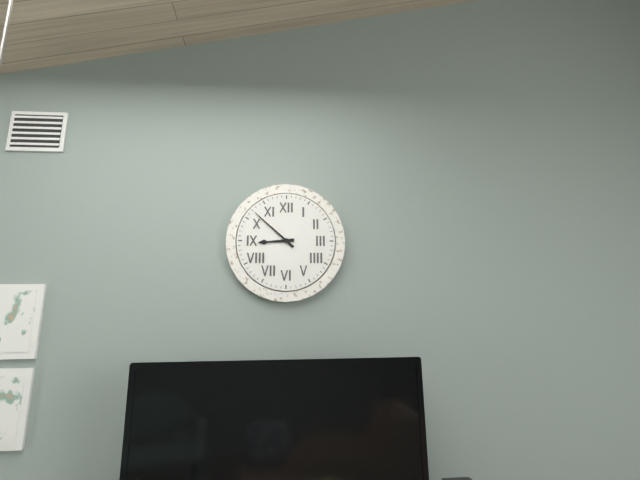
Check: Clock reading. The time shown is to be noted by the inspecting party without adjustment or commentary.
8:52
